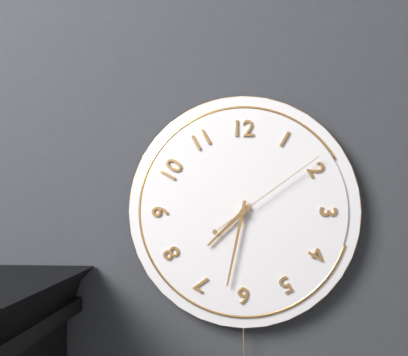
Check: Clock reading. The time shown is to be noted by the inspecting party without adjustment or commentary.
7:32:09
